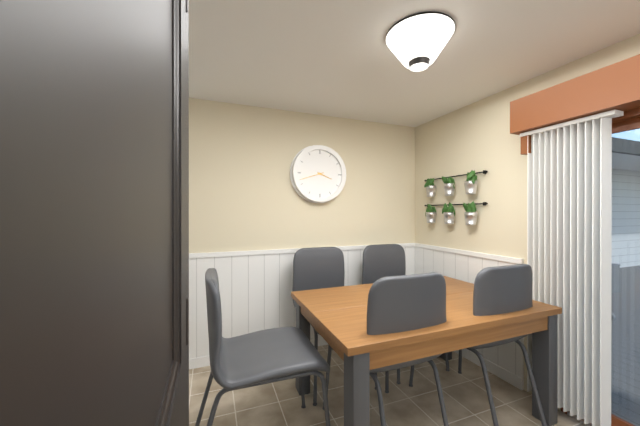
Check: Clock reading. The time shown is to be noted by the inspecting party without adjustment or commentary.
3:42
